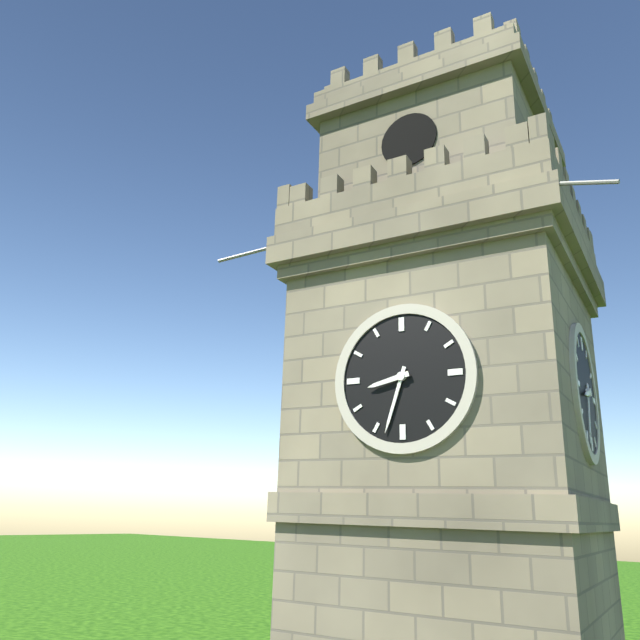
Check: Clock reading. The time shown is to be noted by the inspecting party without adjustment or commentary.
8:33
